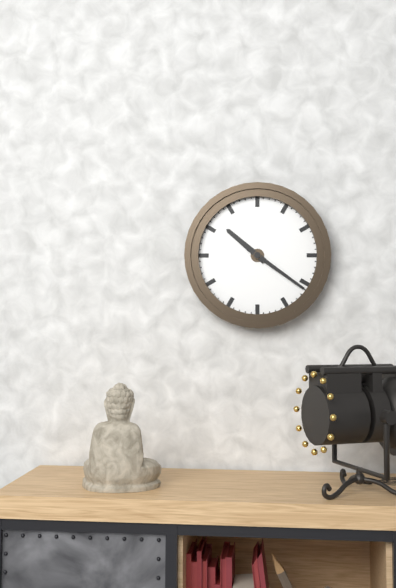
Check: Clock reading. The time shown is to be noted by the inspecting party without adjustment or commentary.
10:21
